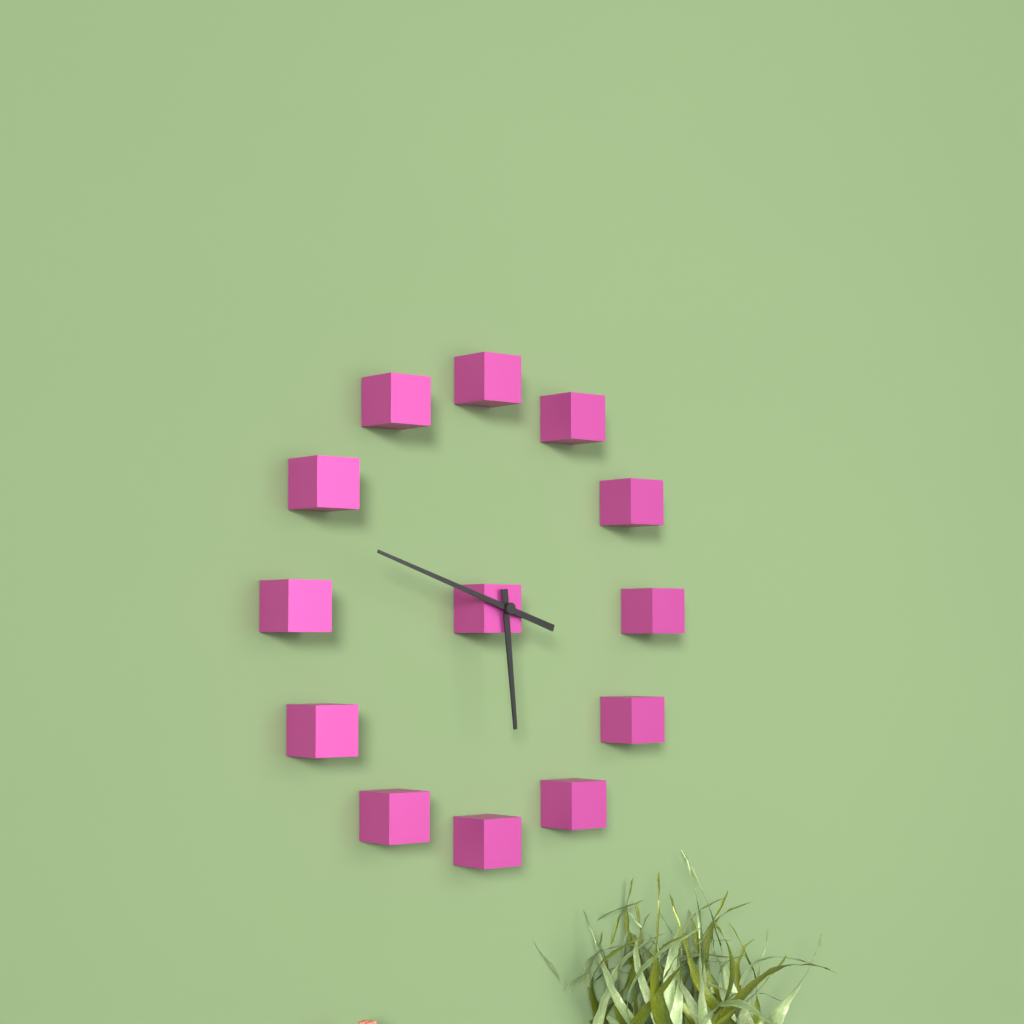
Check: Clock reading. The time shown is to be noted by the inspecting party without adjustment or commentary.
5:48
